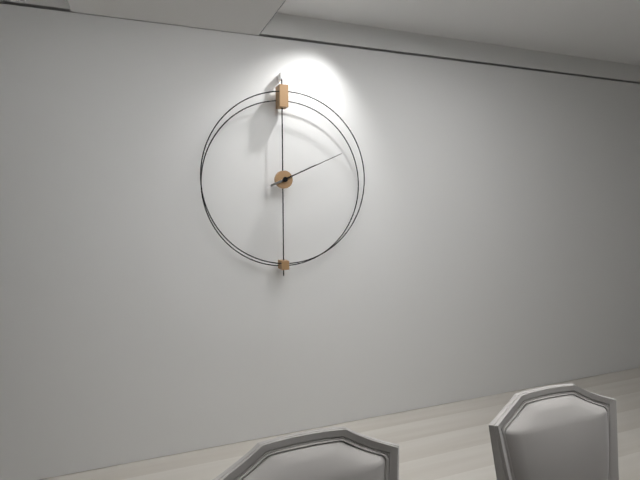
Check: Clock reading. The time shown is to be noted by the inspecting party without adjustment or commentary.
2:11
